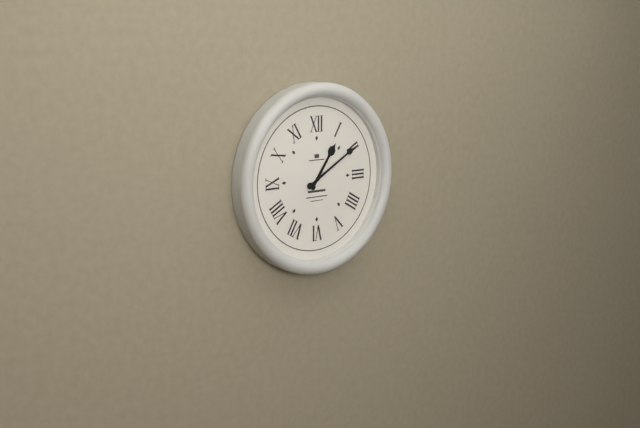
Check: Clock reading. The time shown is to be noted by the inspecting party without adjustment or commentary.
1:10
